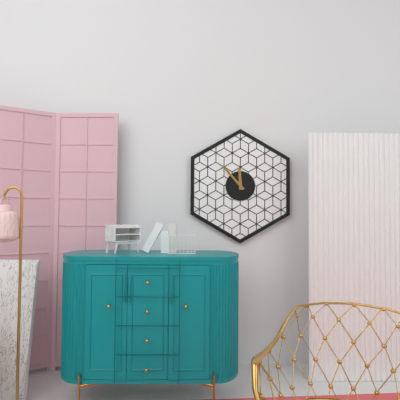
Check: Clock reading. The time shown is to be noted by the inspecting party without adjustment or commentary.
11:53
